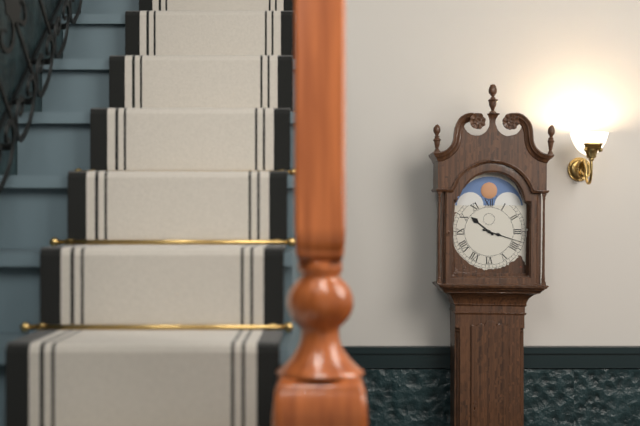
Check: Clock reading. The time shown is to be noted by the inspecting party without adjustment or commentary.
10:18
